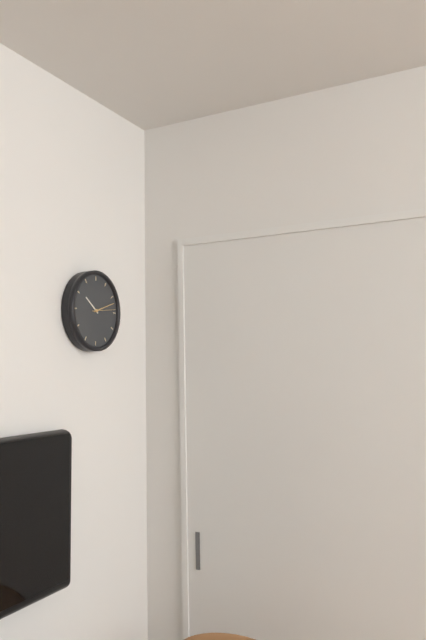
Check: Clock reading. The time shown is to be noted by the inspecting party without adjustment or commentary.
10:12
